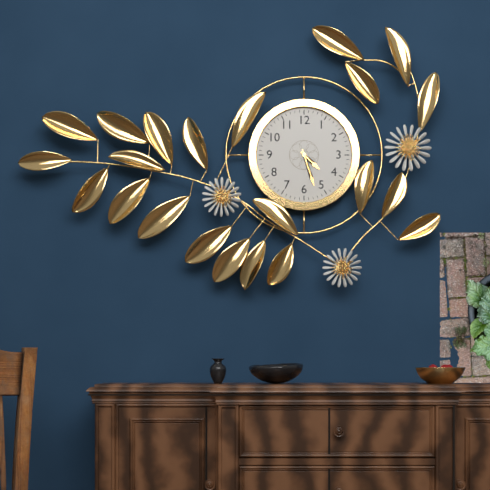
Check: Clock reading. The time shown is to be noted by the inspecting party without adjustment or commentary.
4:27
